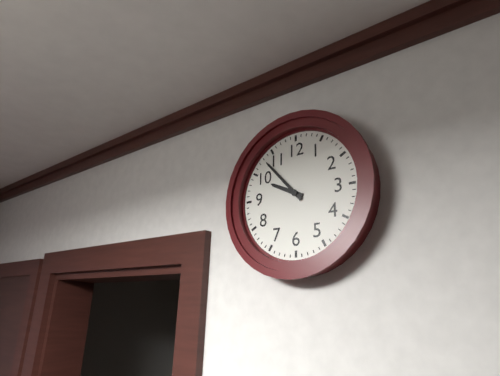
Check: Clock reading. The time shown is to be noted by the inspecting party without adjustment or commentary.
9:53
